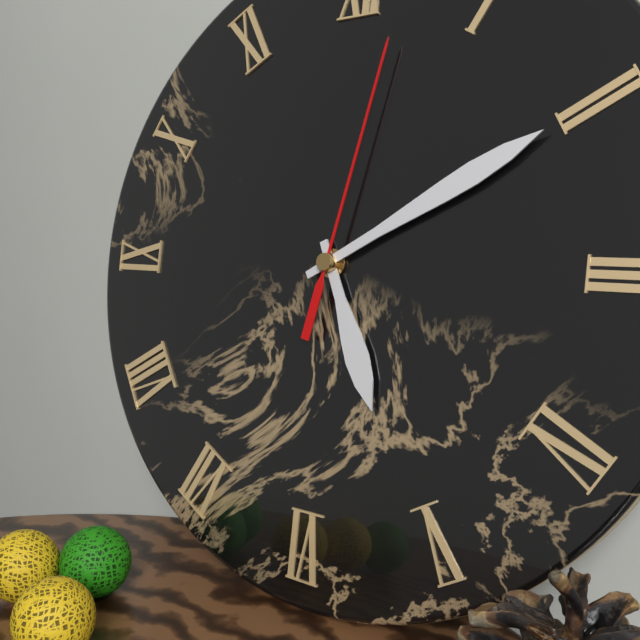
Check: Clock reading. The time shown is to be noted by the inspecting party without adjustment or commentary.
5:10:02
